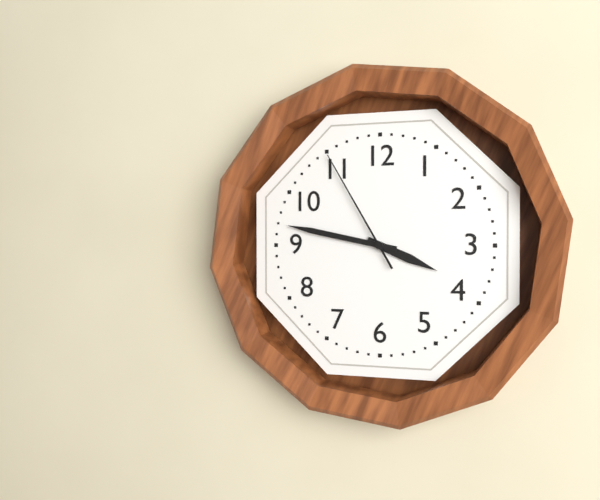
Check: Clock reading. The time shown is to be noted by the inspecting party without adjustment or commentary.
3:47:55
